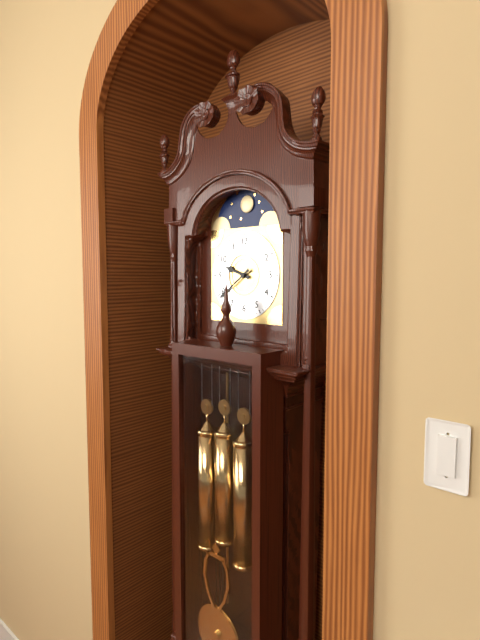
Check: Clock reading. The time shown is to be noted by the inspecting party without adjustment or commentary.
9:39
